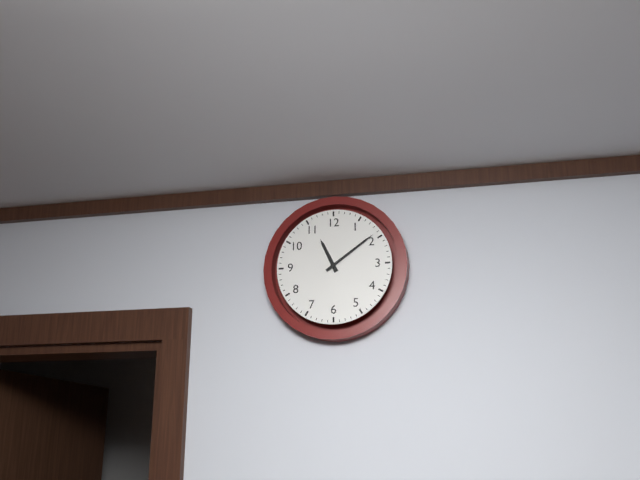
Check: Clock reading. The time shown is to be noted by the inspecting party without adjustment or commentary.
11:09
